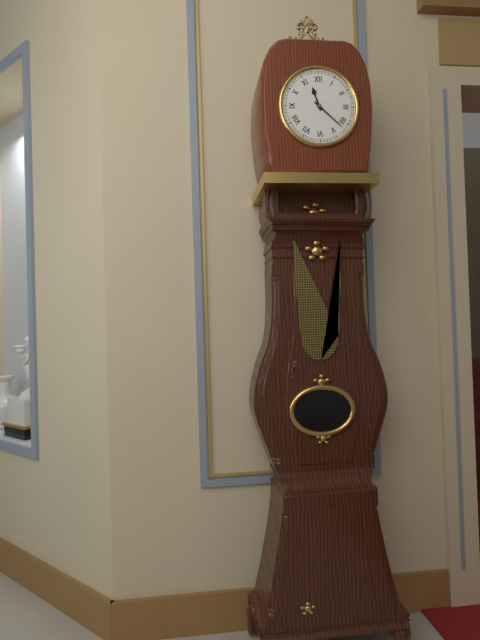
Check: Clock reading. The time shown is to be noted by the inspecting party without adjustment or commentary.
11:22
